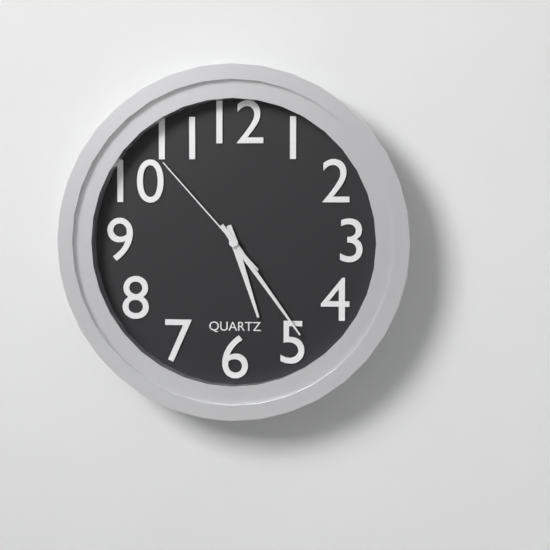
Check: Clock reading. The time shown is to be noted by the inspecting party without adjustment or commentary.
5:24:53
